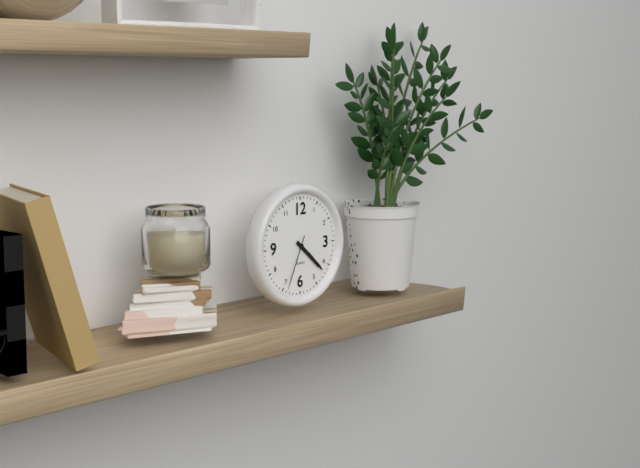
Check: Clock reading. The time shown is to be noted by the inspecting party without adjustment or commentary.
4:22:34
